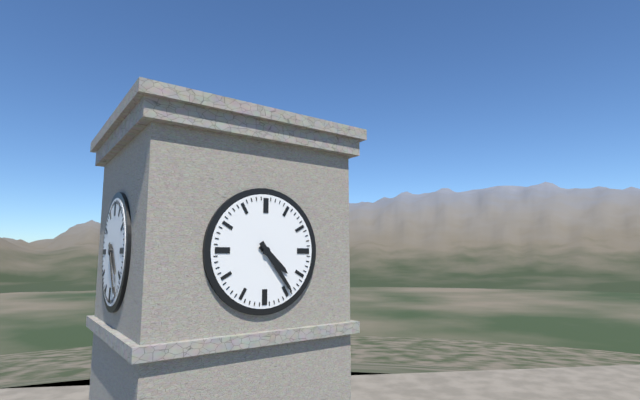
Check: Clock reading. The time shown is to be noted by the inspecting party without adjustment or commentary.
4:24
